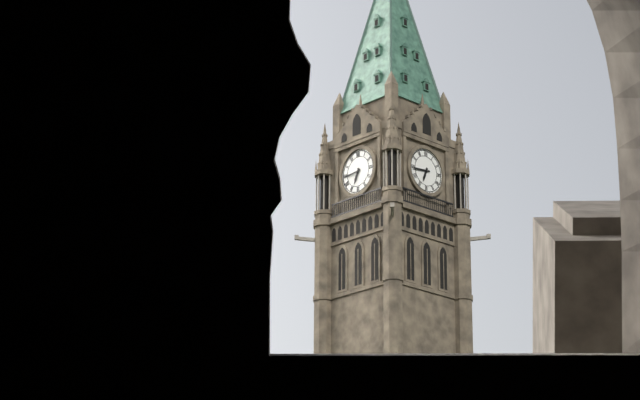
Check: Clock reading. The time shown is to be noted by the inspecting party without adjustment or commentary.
6:44
